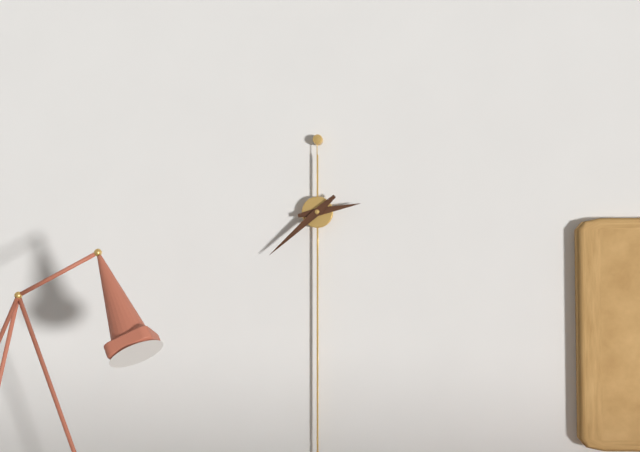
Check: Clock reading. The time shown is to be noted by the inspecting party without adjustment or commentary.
2:38
